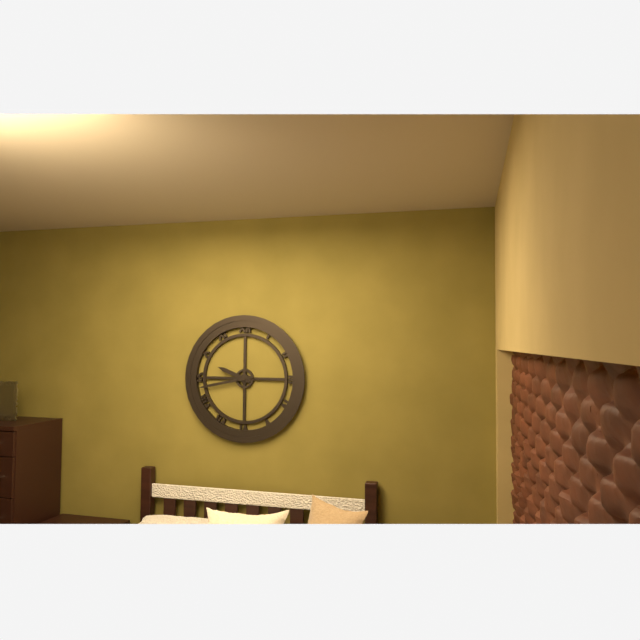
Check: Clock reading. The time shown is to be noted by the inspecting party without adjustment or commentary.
9:43
